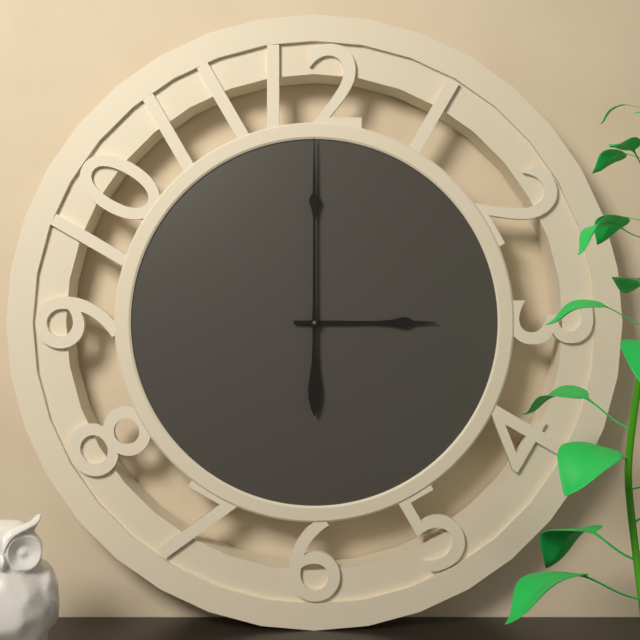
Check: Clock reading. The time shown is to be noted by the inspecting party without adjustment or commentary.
3:00
